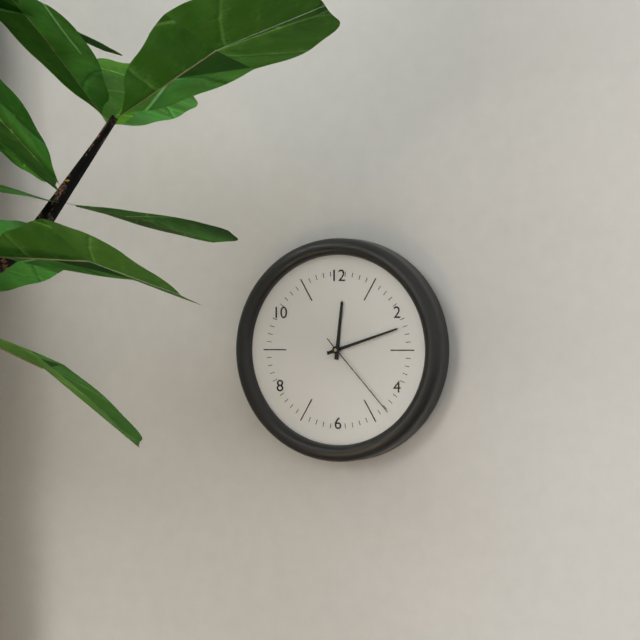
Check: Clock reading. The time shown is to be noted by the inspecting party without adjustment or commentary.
12:12:23
